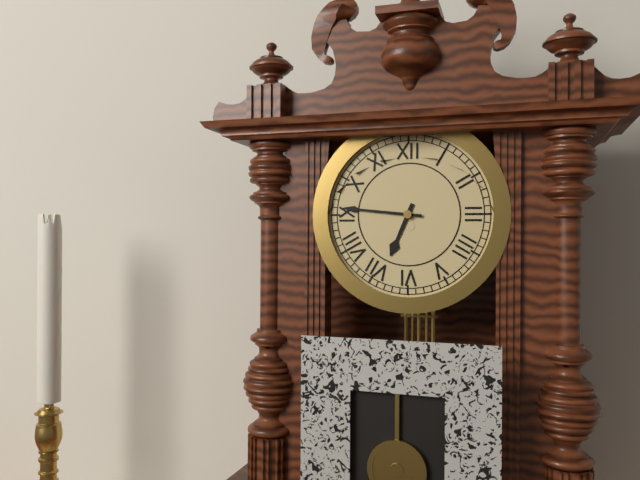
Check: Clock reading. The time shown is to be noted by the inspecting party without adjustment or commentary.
6:46
